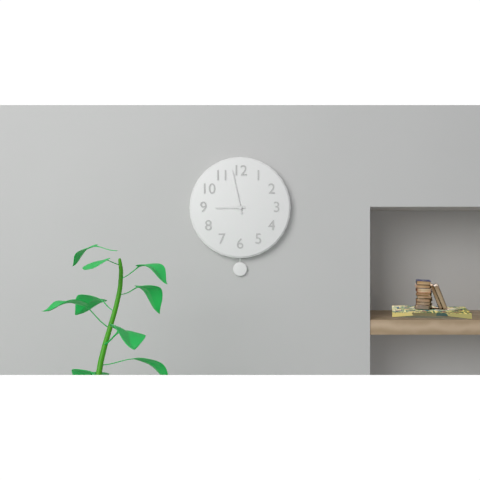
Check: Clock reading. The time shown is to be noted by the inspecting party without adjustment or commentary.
8:58
